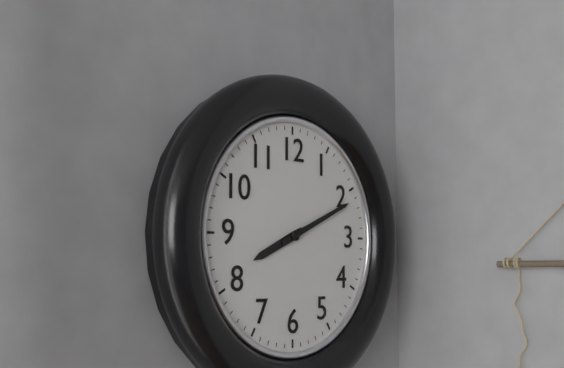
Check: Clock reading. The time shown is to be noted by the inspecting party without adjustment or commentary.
8:11
